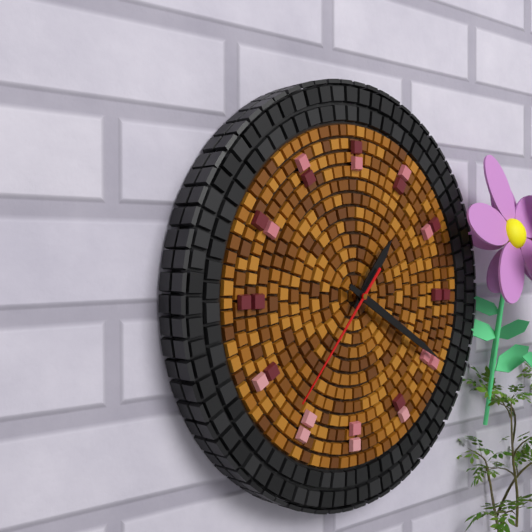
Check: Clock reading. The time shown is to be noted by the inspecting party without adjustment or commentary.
1:20:37
